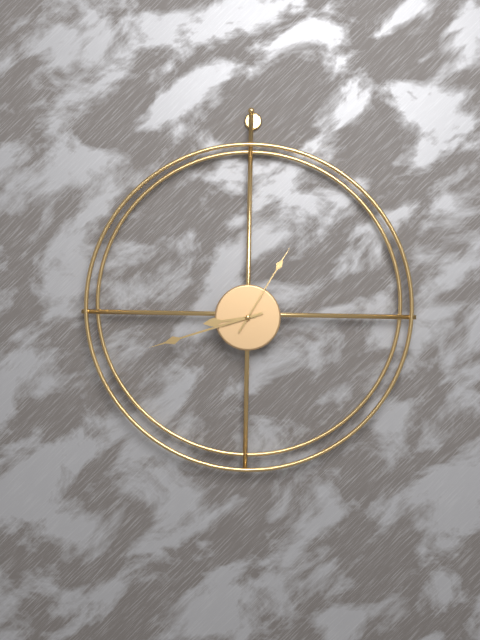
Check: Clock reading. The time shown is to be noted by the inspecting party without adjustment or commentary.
8:42:05
